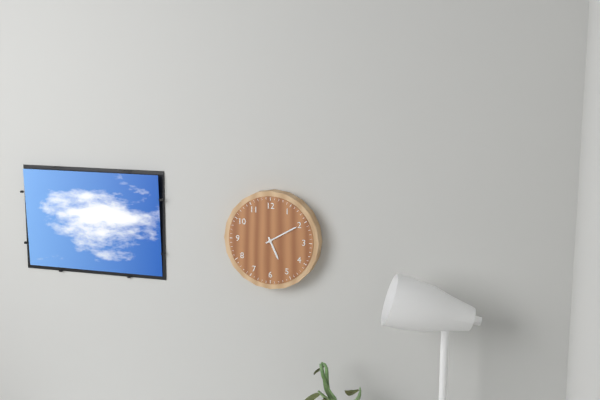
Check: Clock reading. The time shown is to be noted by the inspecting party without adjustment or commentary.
5:10
